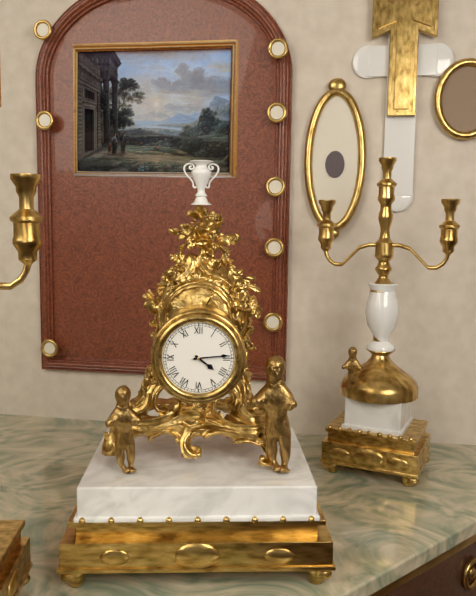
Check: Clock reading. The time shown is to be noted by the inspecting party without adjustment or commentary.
4:14
